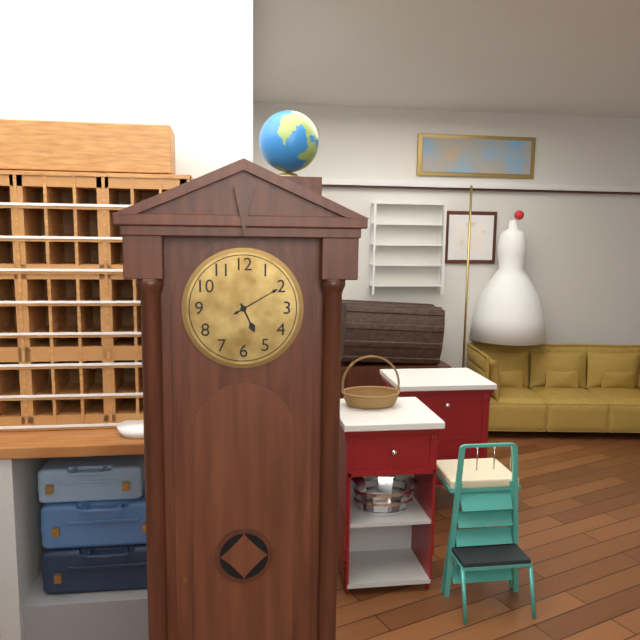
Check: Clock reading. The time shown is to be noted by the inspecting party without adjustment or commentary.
5:10
